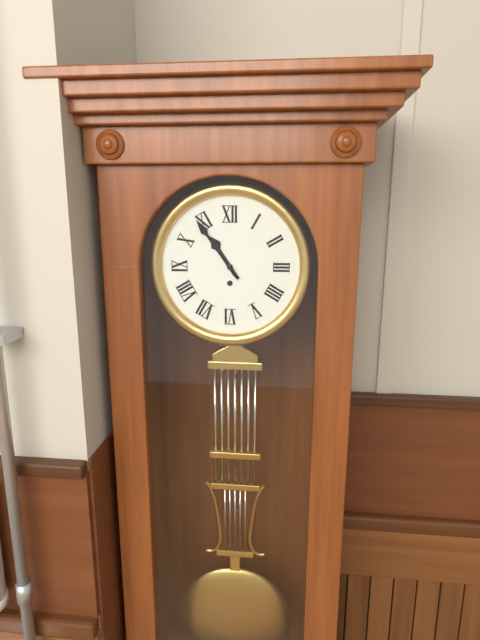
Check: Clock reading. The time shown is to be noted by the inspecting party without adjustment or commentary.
10:54
